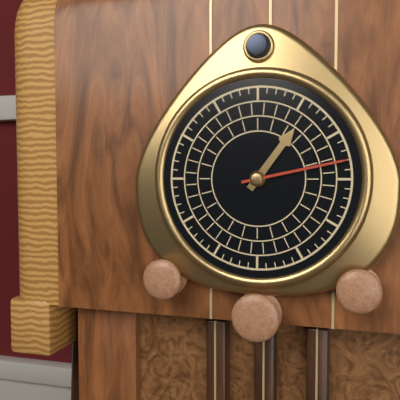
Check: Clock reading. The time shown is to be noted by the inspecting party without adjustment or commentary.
1:13
